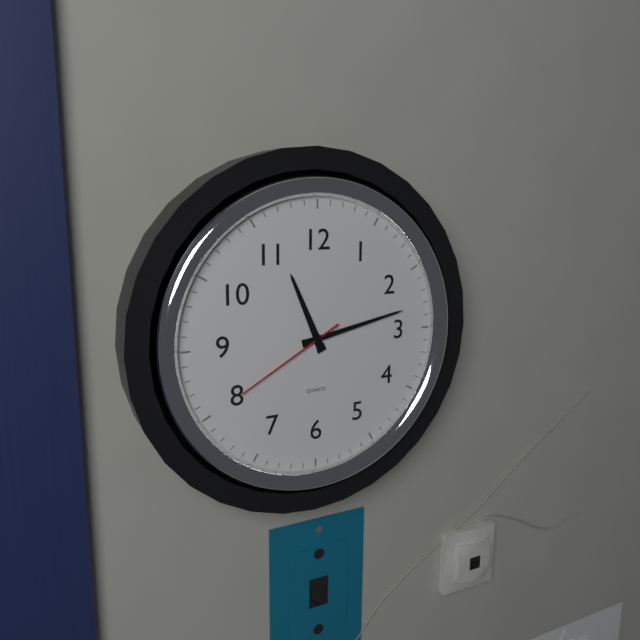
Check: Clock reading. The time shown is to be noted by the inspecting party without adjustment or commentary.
11:13:40
